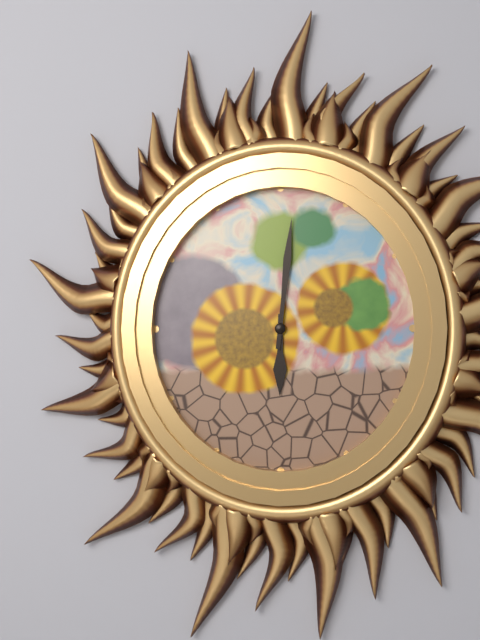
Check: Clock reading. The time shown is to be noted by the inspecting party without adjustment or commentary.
6:01
